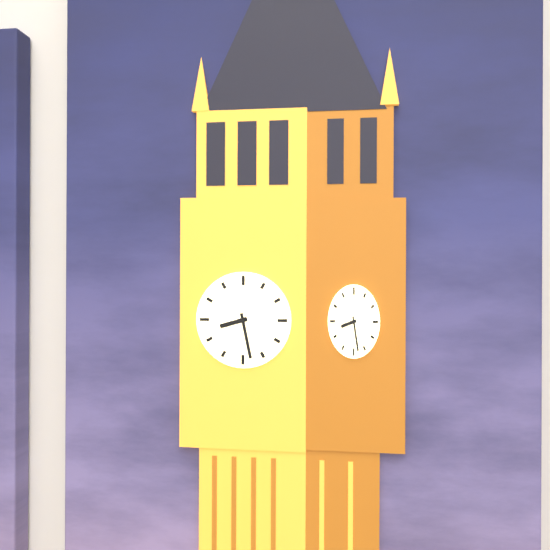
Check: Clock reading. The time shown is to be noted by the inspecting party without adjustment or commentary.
8:28
